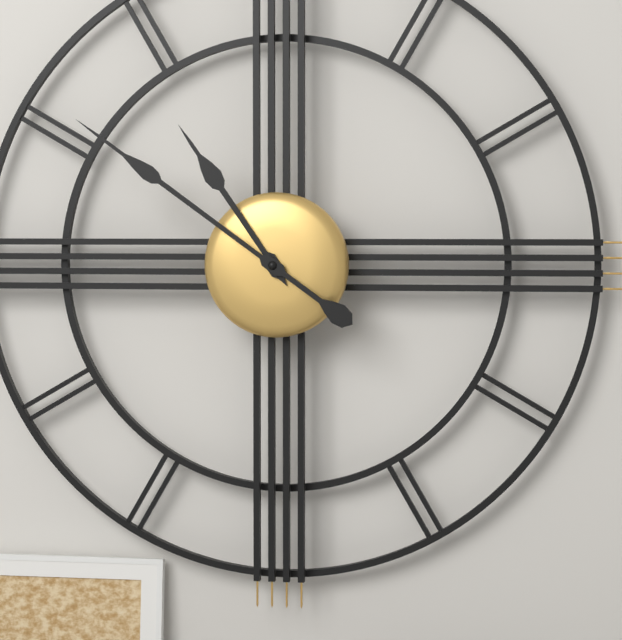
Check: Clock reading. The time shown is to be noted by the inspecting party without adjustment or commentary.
10:51
